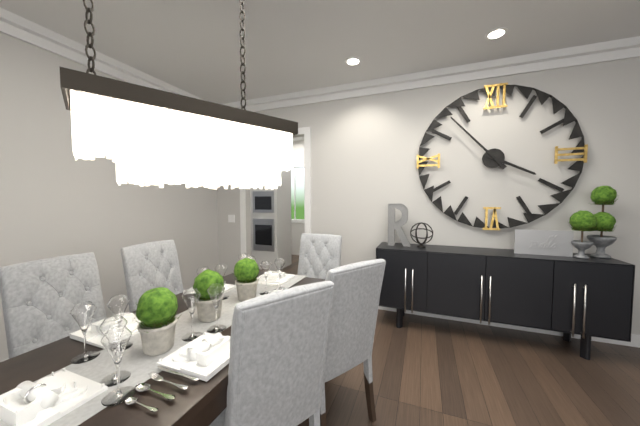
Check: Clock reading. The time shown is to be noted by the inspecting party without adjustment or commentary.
3:53
